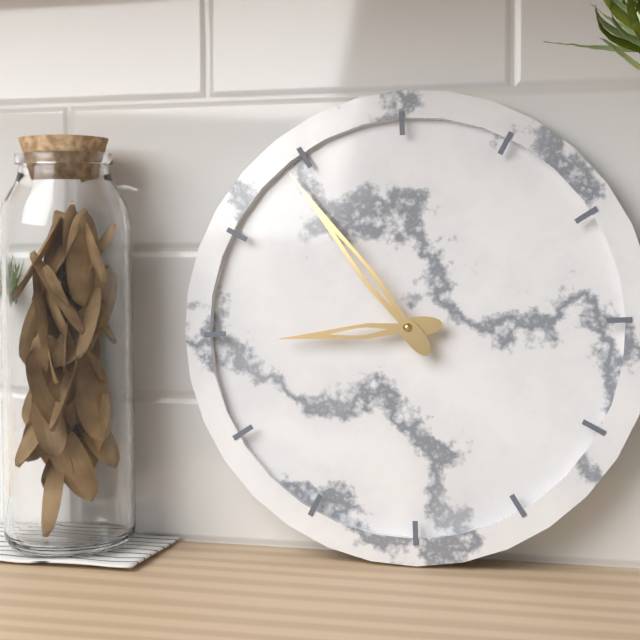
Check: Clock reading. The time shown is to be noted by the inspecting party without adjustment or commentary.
8:54
